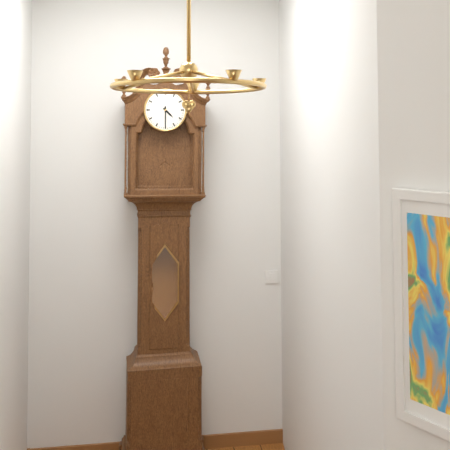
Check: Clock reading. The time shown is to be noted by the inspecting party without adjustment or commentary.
4:30
